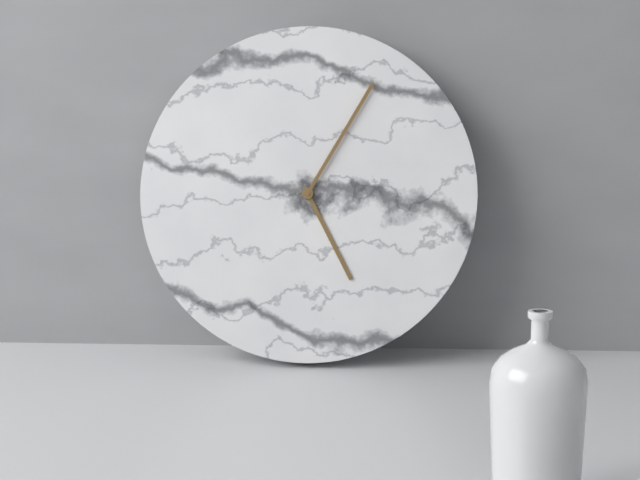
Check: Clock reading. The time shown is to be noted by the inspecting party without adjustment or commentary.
5:05
